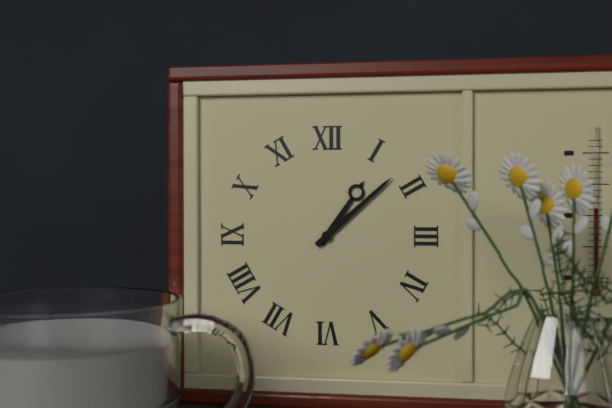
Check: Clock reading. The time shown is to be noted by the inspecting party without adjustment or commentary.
1:08
